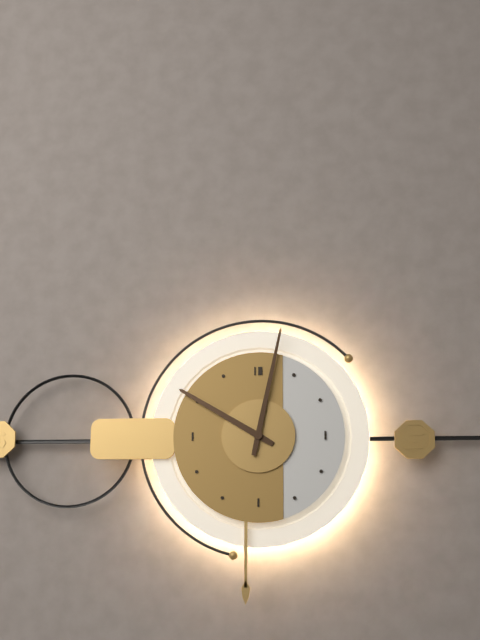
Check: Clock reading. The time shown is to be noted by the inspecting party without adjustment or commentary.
10:02
